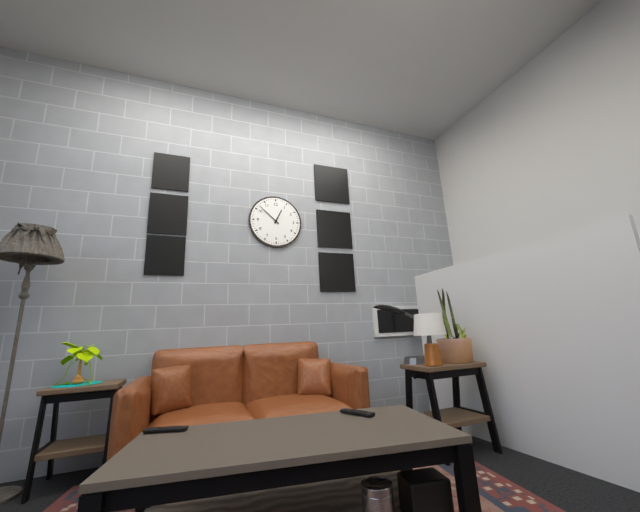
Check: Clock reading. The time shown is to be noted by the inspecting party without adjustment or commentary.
12:52
